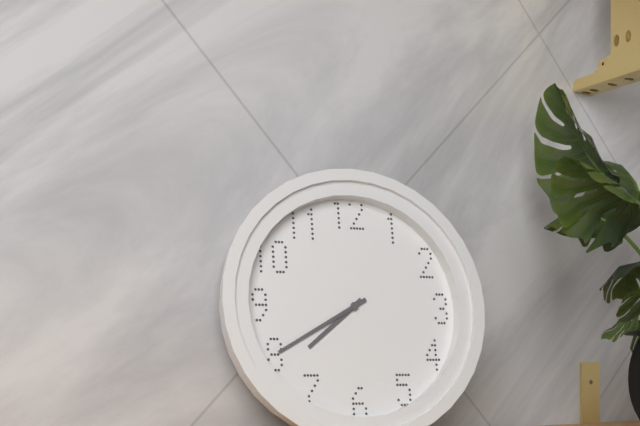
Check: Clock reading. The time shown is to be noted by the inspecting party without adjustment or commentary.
7:40
